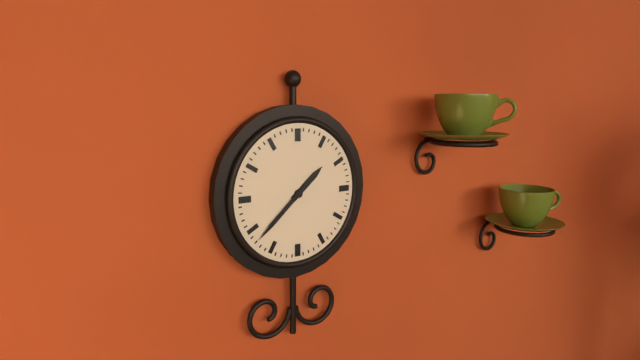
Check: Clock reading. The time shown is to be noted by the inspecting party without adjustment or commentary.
1:38
